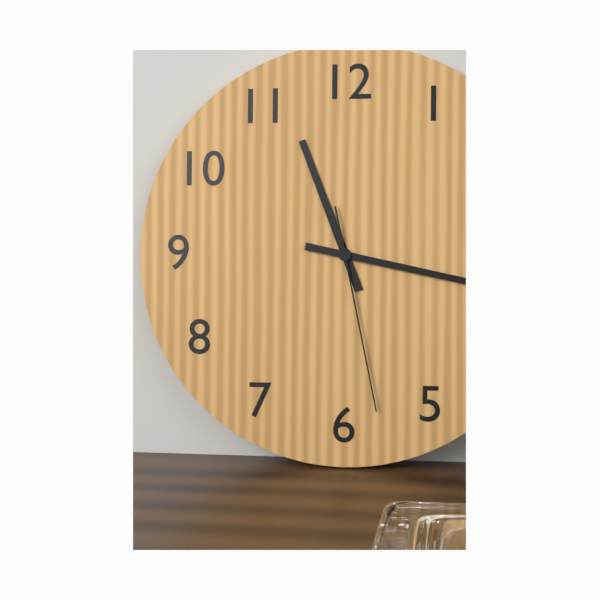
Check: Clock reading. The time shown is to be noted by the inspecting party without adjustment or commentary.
11:17:28
